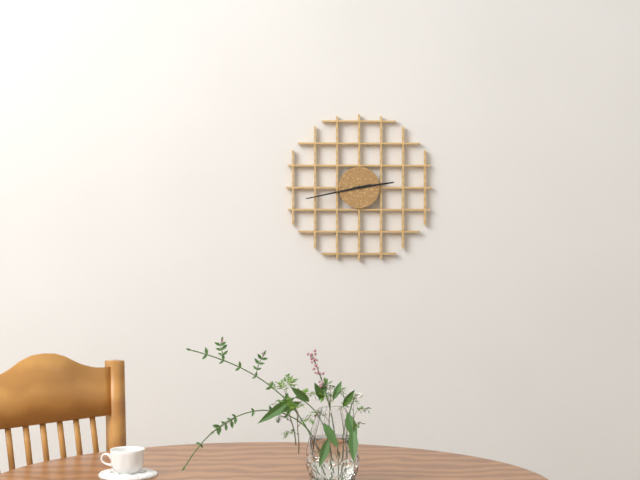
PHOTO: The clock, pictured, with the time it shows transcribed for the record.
2:43
